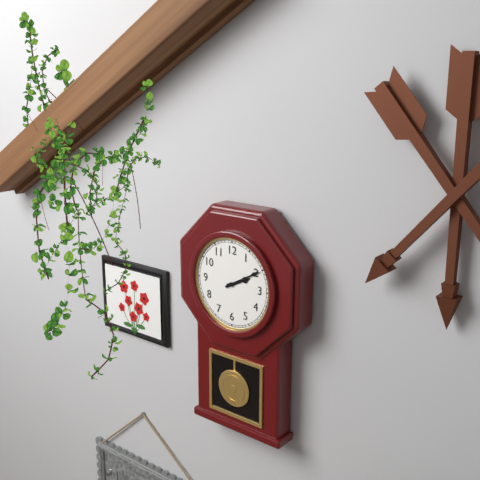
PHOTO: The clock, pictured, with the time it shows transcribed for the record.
2:10
